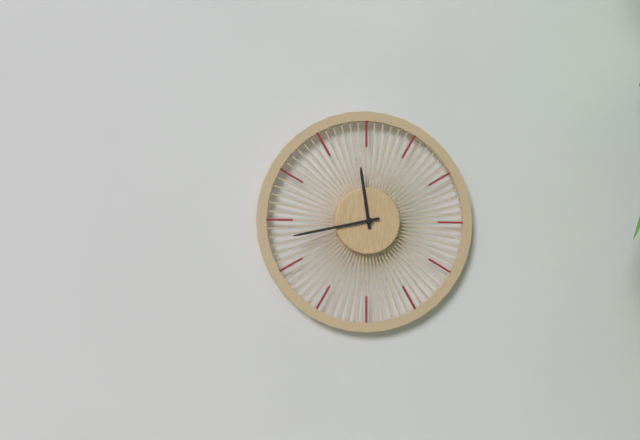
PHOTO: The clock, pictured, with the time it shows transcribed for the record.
11:43
